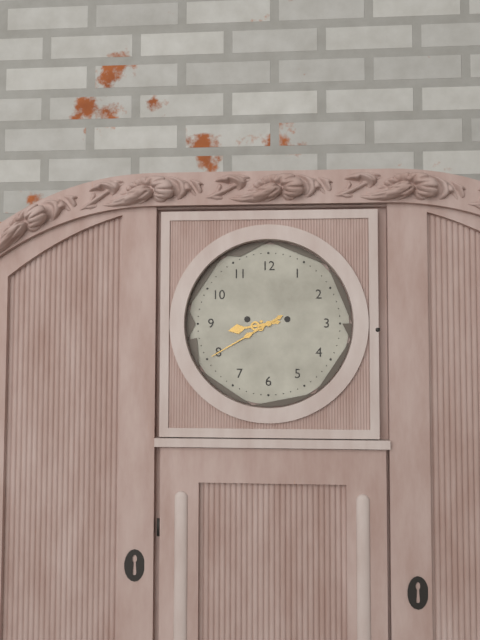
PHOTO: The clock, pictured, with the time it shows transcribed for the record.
8:40
